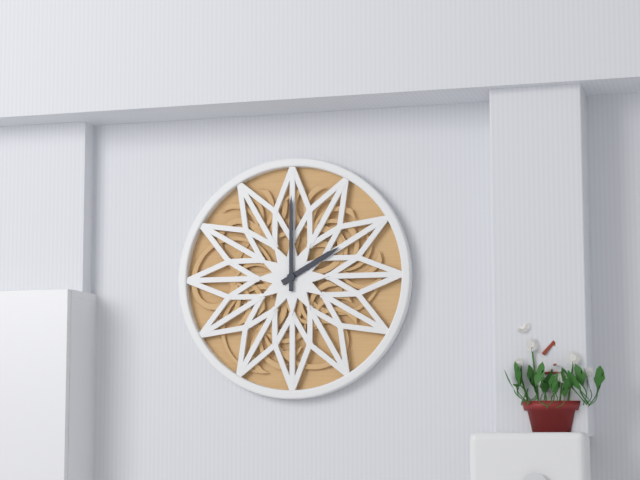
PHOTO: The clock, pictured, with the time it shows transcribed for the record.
2:00
